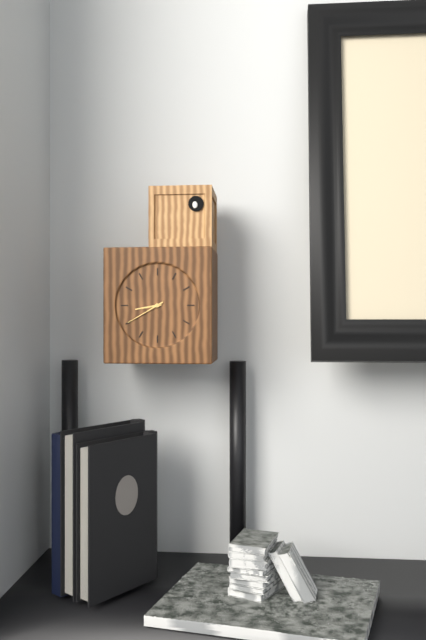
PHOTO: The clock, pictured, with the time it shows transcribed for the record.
8:40
